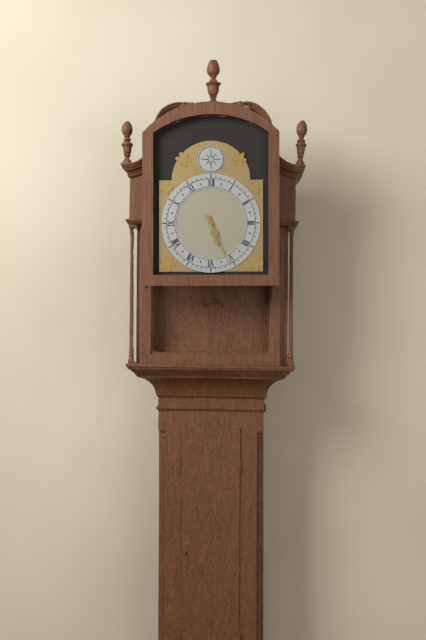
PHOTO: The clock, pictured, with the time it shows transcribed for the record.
5:26
